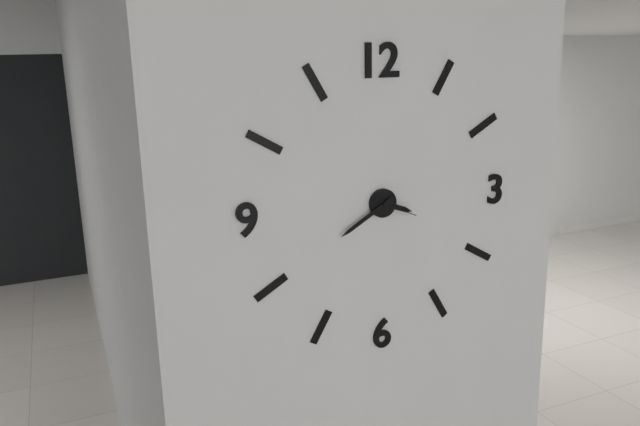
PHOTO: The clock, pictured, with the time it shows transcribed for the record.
3:40
